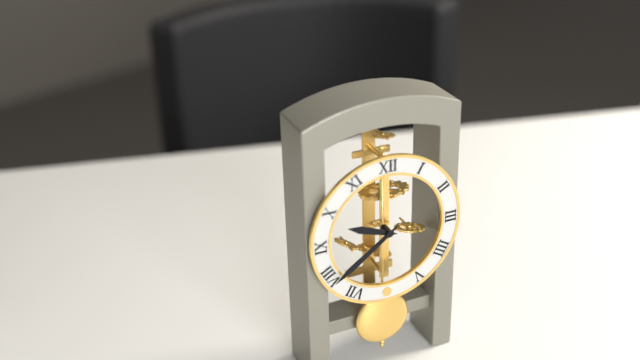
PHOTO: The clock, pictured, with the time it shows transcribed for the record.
9:39
